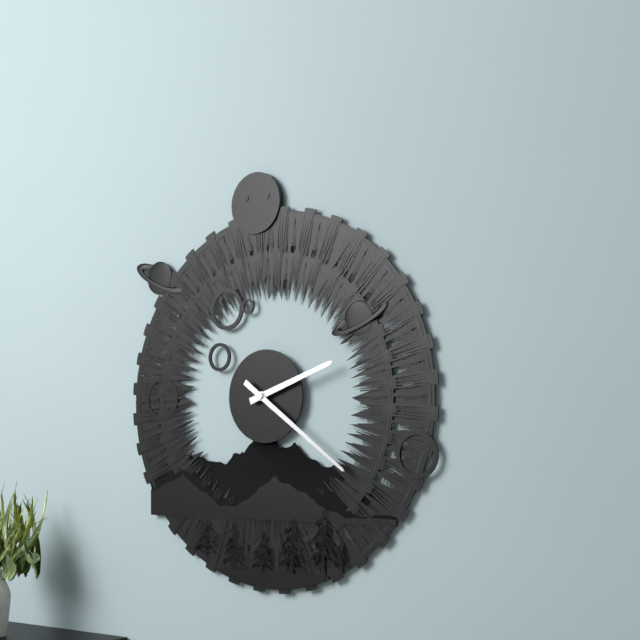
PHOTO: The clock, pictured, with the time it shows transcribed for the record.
2:21
